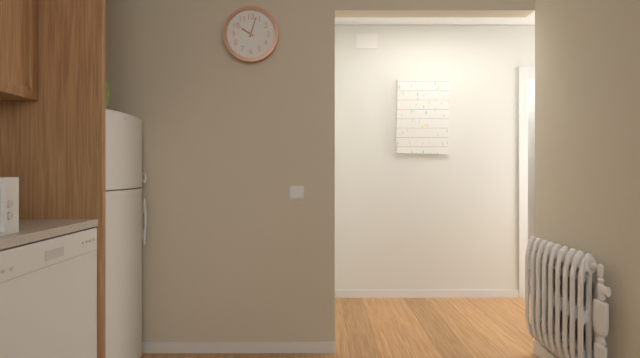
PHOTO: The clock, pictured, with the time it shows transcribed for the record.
10:03
